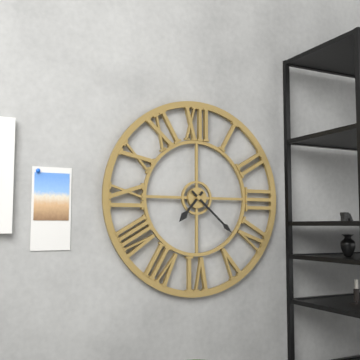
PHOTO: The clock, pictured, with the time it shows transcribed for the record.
7:22
